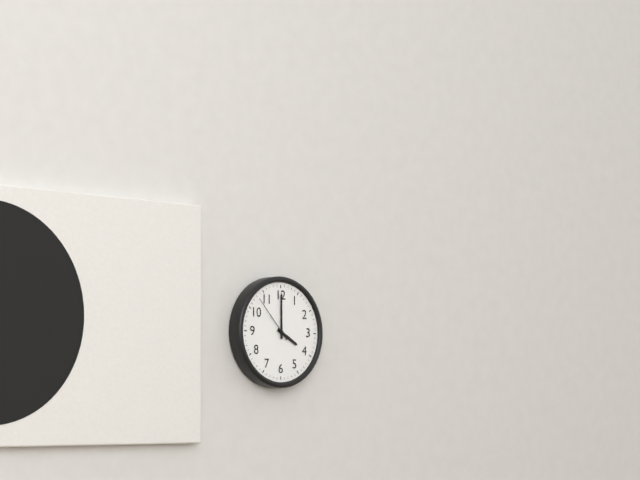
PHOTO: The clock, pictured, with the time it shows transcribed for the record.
4:00:53
